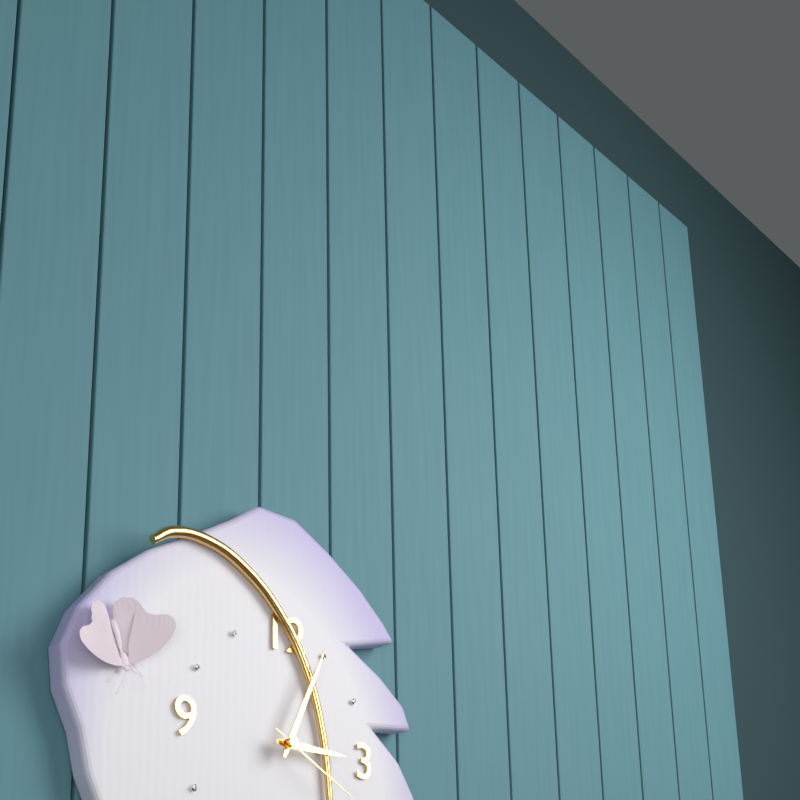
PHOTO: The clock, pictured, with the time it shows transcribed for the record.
3:04:20
